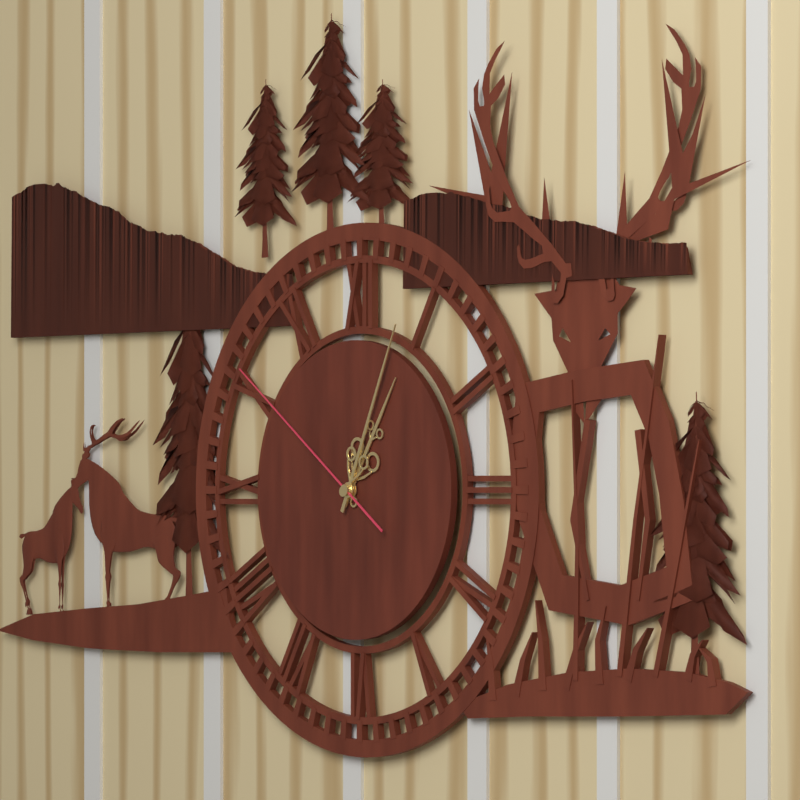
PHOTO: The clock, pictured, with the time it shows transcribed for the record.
1:04:51
